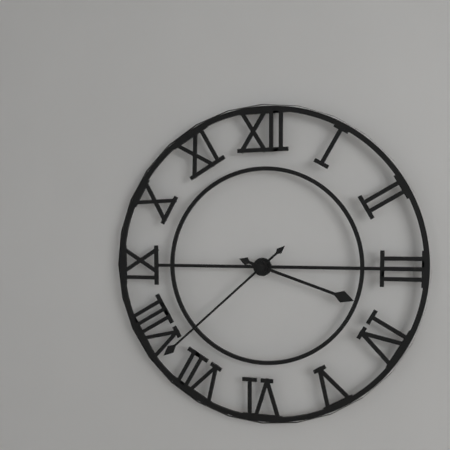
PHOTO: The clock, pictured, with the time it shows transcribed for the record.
3:38
